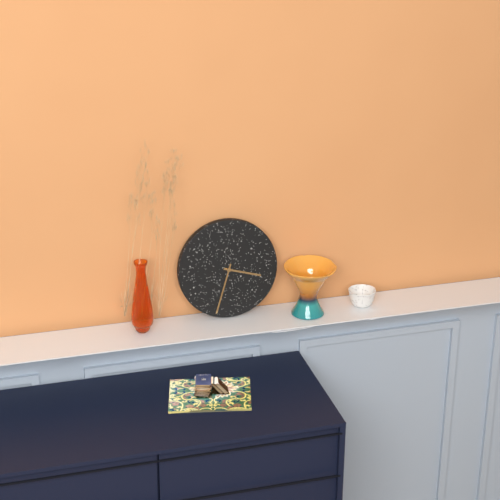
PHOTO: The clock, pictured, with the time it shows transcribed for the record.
3:33
